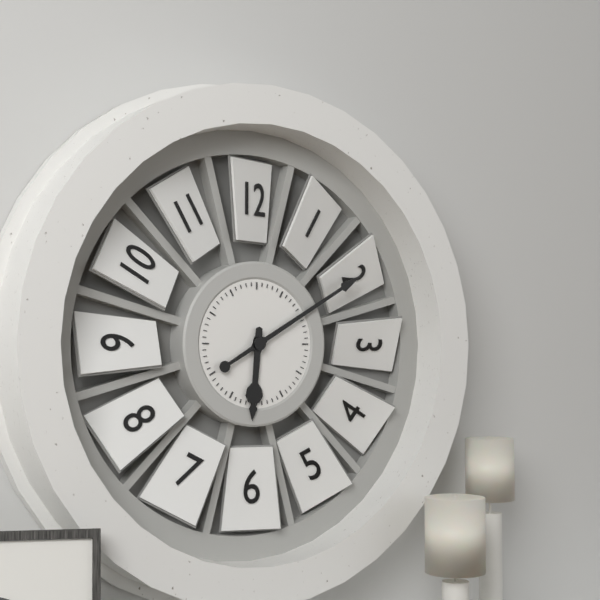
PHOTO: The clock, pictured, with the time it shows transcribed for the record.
6:10
